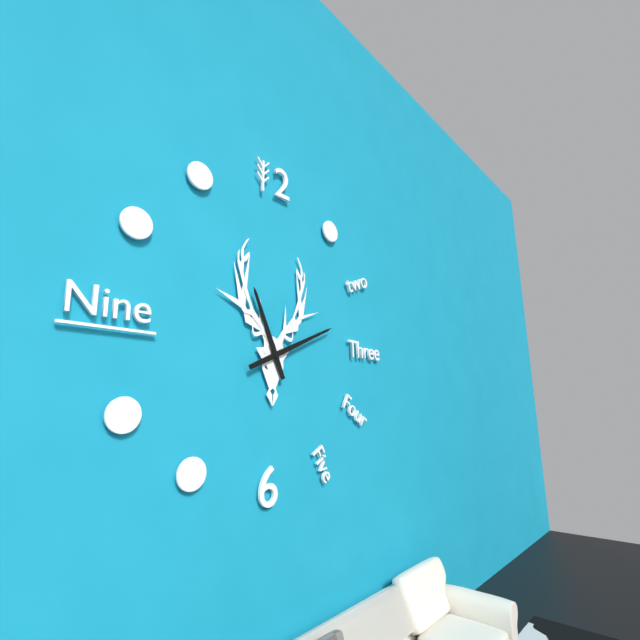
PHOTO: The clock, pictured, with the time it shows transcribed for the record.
11:11
